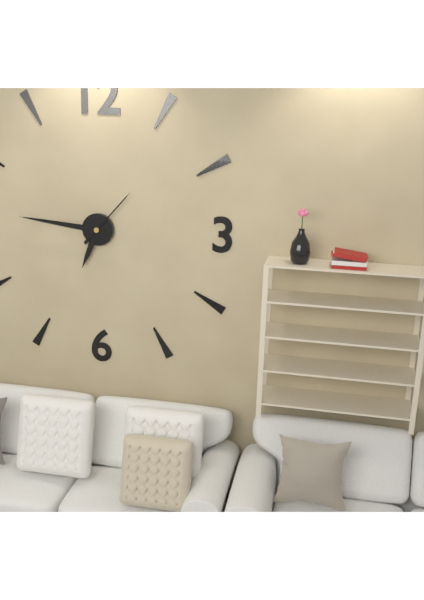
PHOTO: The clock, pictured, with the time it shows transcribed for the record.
6:46:07
